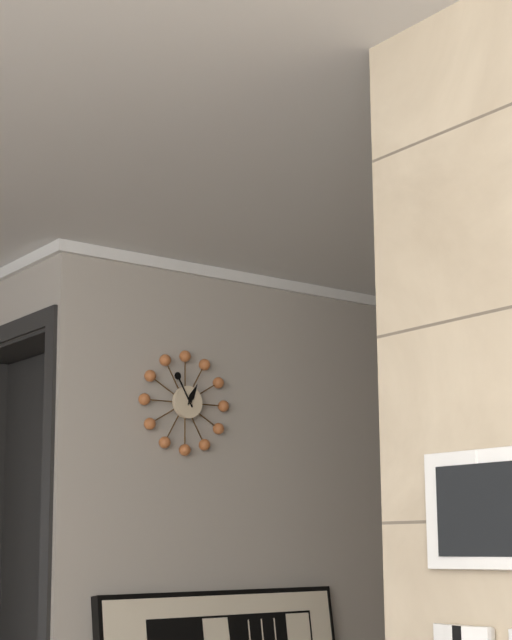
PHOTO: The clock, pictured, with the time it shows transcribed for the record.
12:55
